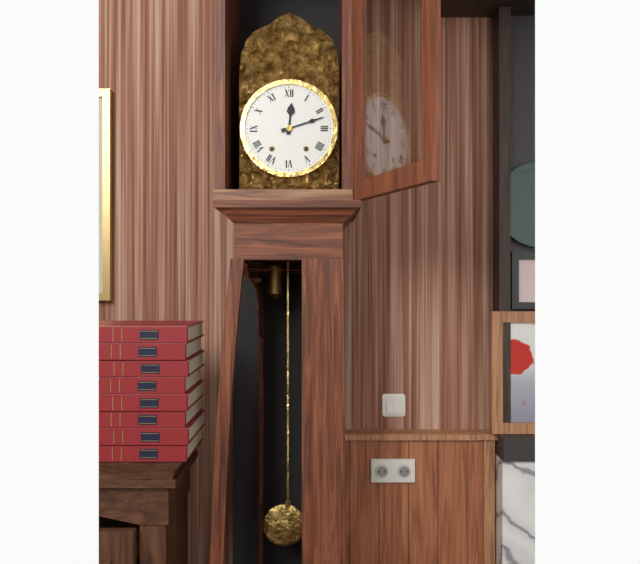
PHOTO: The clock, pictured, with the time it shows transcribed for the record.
12:12
